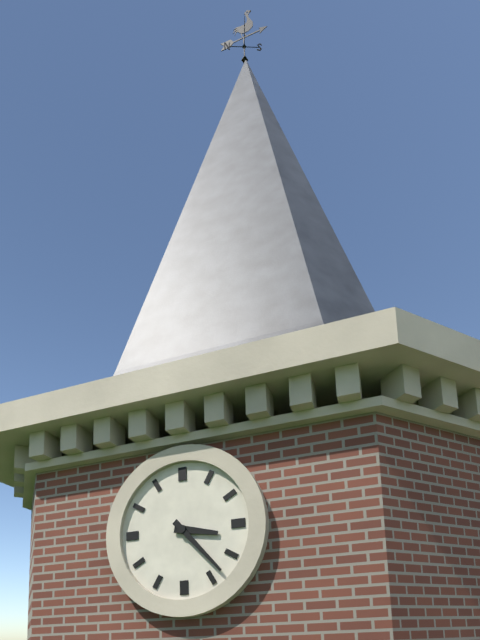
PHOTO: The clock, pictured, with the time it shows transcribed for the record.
3:23
